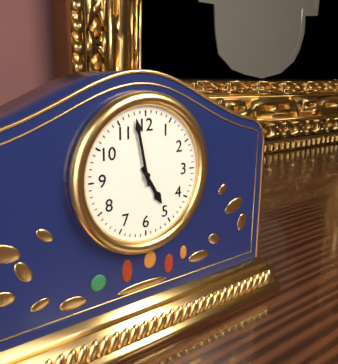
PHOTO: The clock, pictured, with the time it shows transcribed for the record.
4:58
